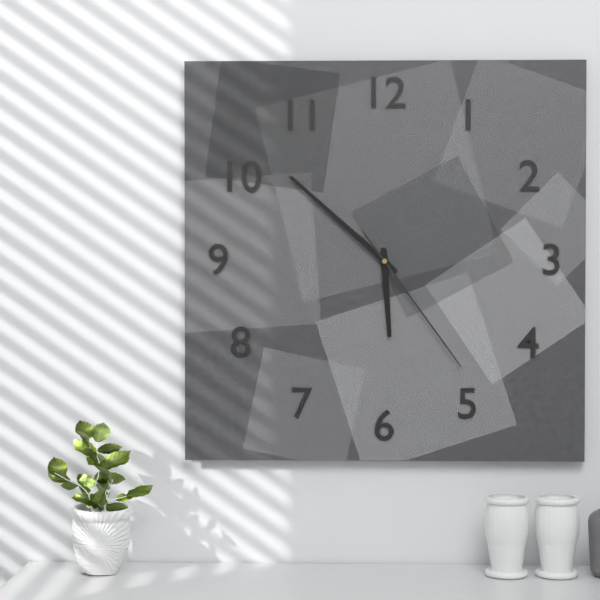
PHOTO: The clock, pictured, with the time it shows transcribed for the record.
5:52:24
